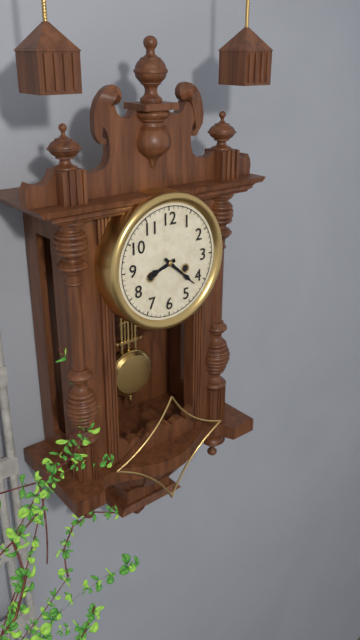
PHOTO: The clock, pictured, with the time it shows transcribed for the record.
8:22
